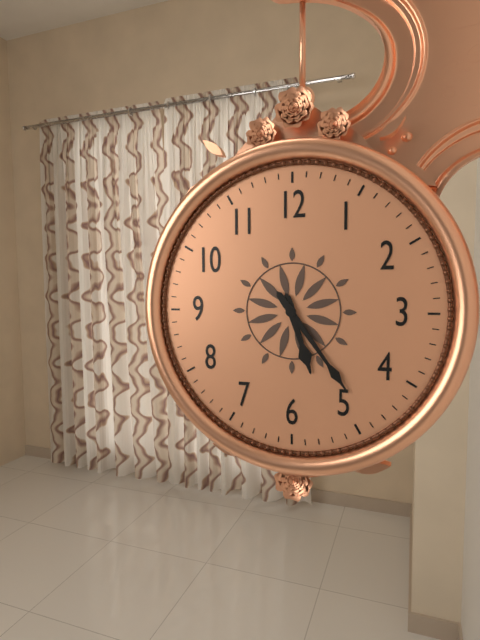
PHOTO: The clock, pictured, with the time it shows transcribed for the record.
5:24
